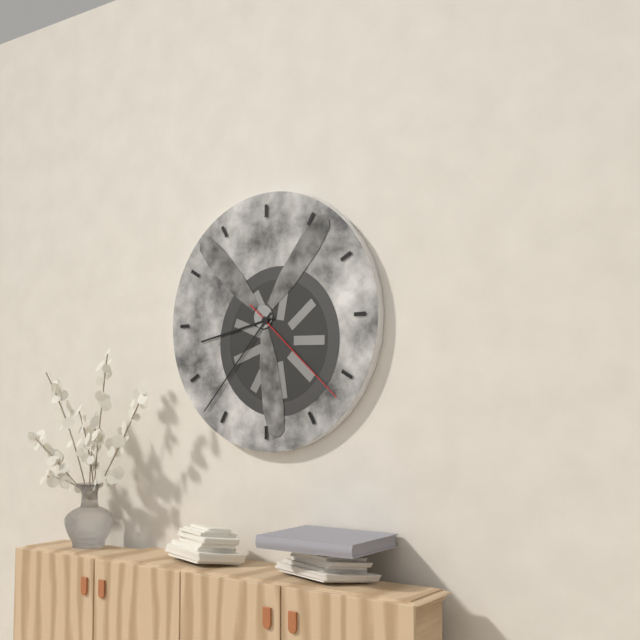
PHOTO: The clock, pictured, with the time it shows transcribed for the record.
8:37:22
